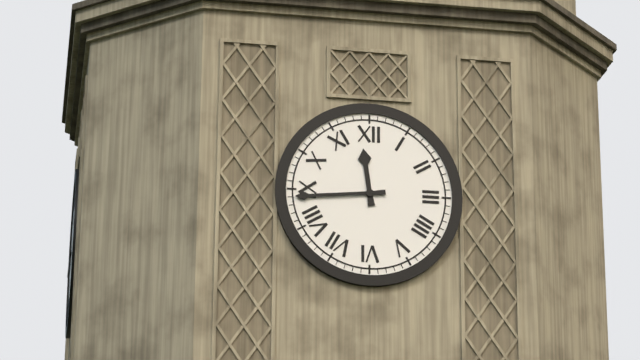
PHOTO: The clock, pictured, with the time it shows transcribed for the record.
11:44
